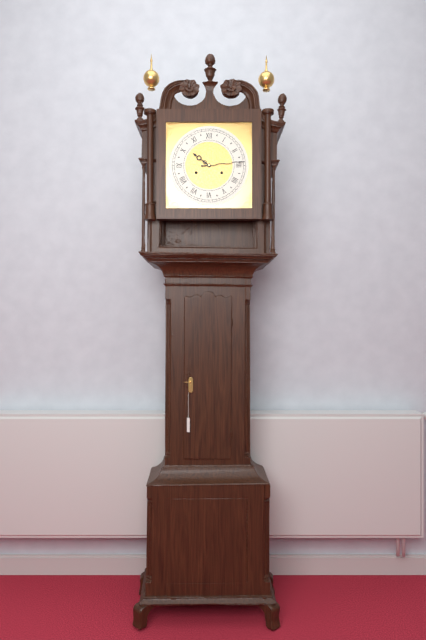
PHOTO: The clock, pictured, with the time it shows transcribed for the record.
10:14
